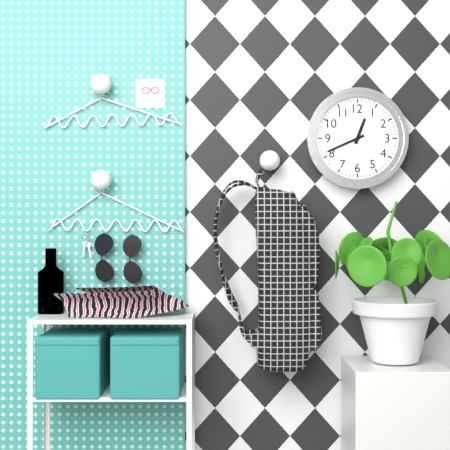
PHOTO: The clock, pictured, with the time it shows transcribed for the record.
12:41
